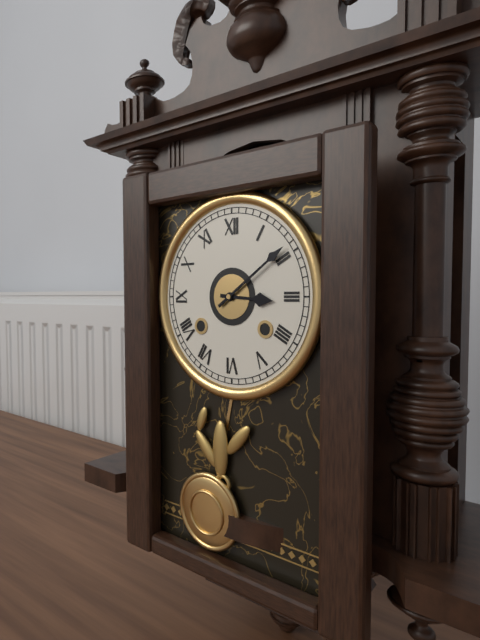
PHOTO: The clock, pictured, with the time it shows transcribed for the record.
3:09
